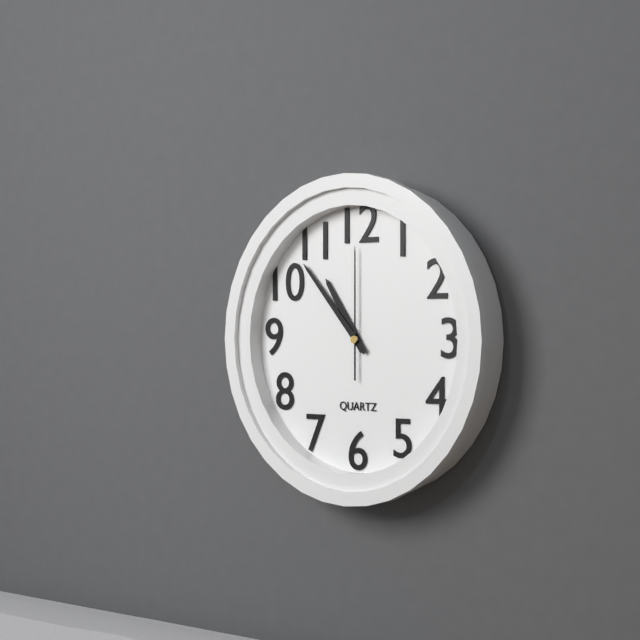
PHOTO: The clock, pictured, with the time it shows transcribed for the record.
10:53:00
